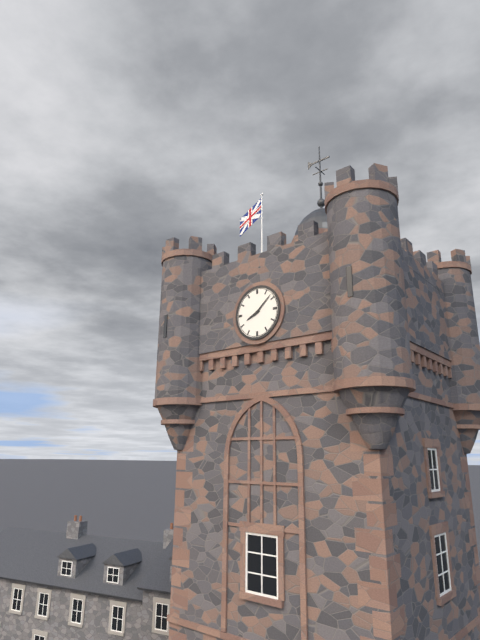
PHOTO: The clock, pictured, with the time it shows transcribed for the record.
8:08
